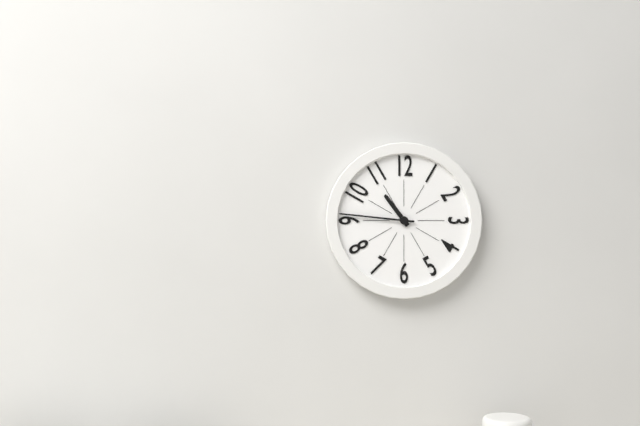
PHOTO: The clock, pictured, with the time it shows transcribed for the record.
10:46
